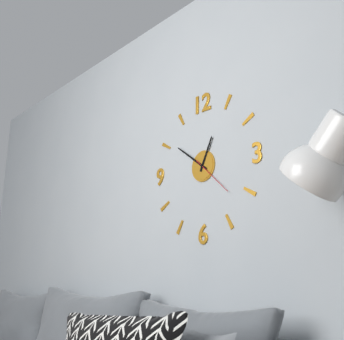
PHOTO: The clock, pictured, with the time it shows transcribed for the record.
12:51
